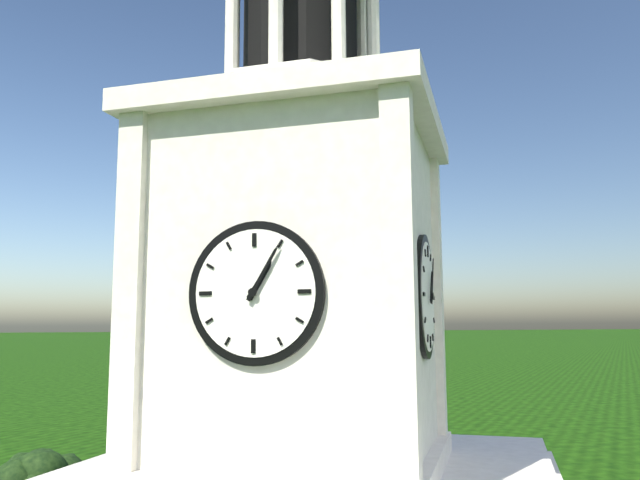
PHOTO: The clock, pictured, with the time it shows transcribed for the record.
1:05
